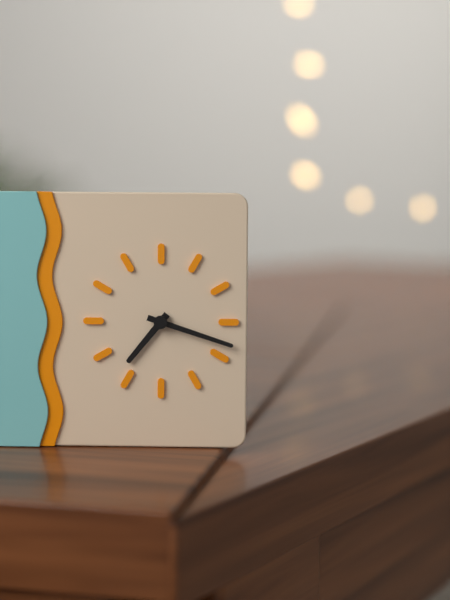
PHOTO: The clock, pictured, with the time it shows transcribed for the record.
7:18
